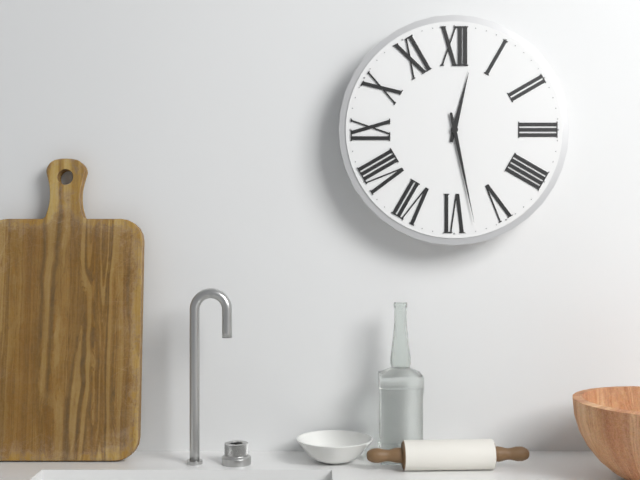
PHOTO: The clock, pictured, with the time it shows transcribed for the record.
12:28
